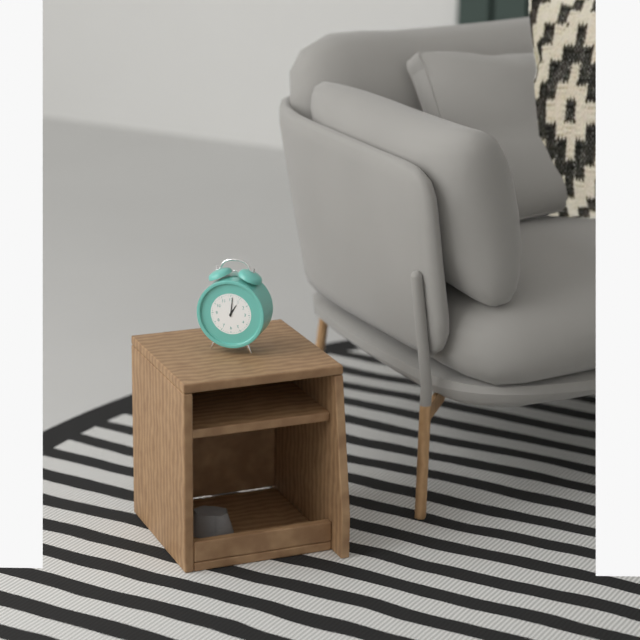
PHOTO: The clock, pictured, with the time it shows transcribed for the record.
1:01
